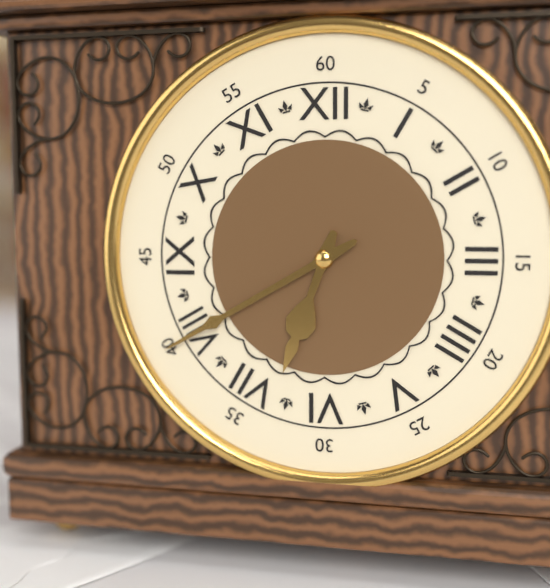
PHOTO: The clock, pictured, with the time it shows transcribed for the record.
6:40
